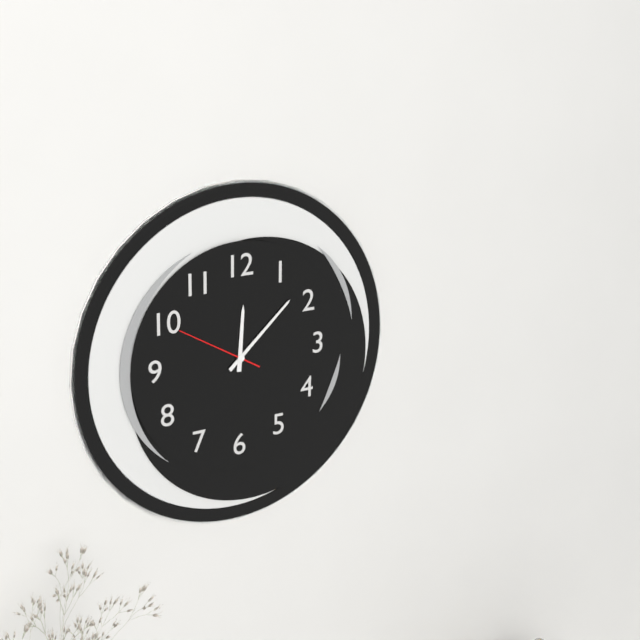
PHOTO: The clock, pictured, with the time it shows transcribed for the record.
12:08:50
